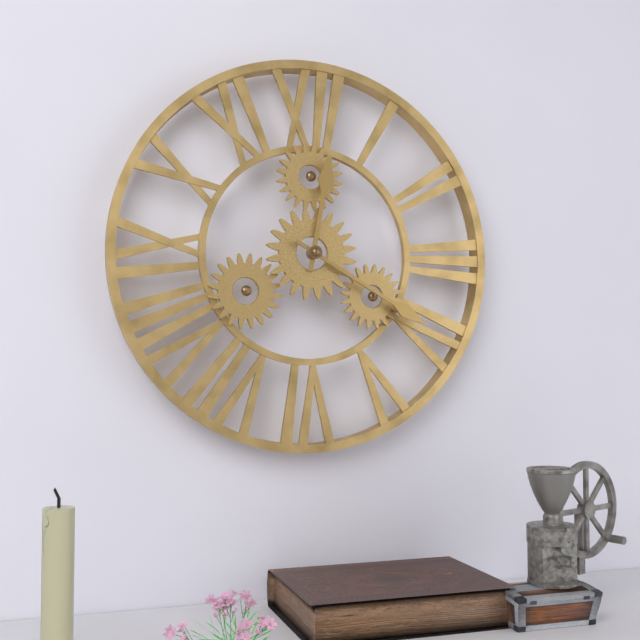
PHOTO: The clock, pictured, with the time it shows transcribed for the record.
12:20
